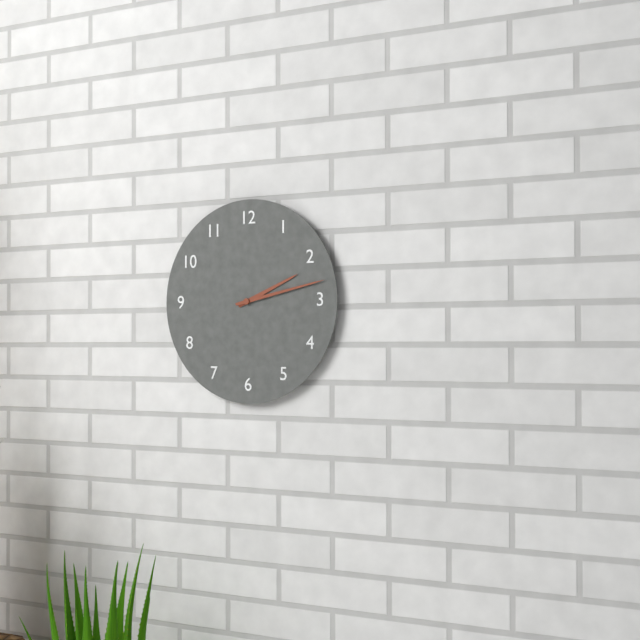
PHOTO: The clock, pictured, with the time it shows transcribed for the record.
2:13
